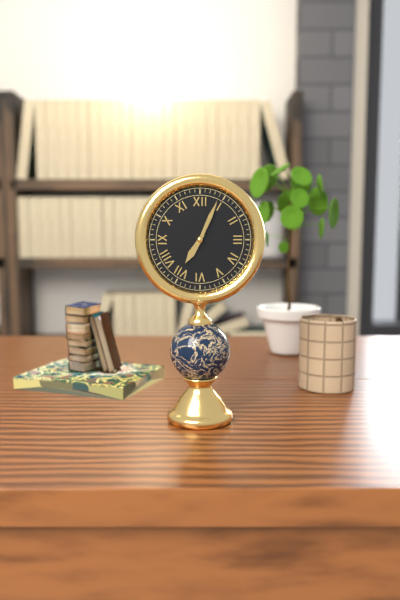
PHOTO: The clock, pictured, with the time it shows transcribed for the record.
7:04
